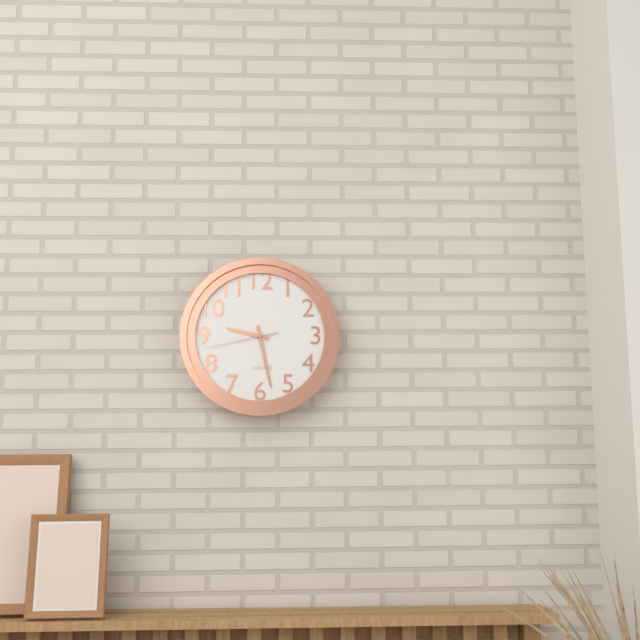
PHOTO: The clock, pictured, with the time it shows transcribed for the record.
9:28:43
